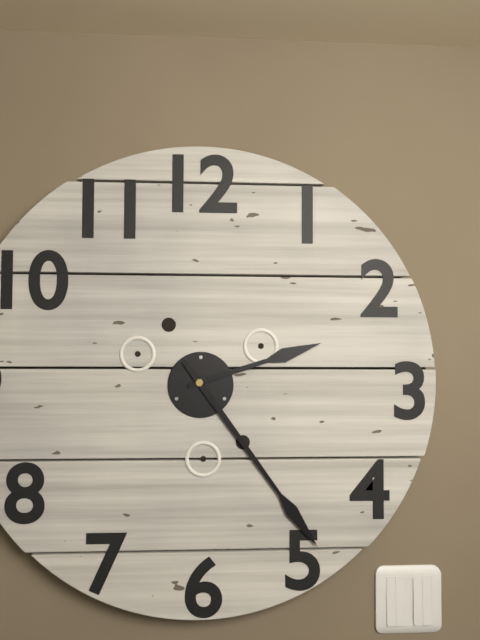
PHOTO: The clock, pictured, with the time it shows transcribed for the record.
2:24
